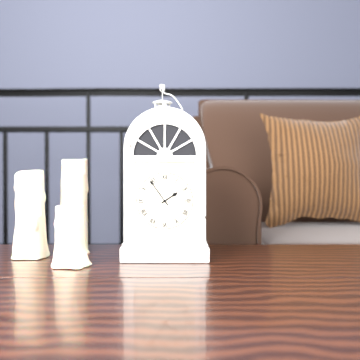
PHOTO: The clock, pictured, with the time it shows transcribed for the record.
1:54
